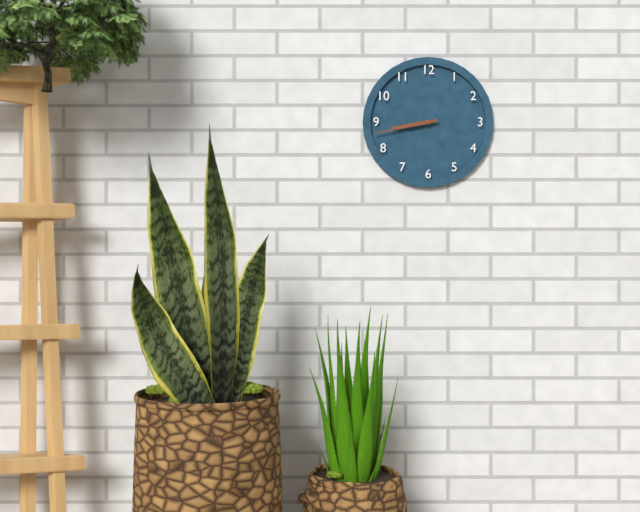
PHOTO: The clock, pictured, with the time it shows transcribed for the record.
8:43
